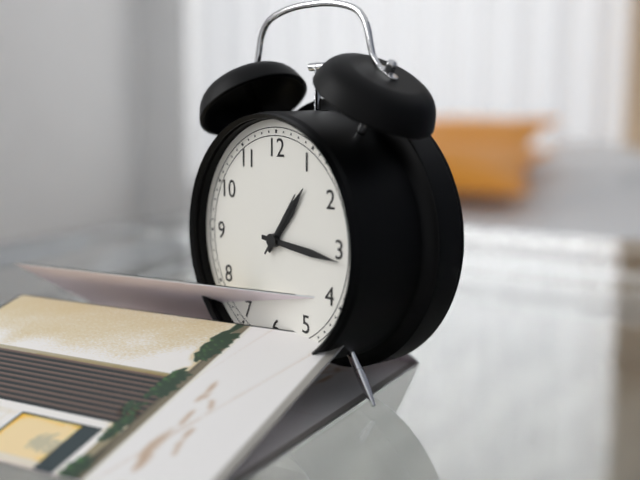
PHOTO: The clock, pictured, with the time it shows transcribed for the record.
1:16:06
